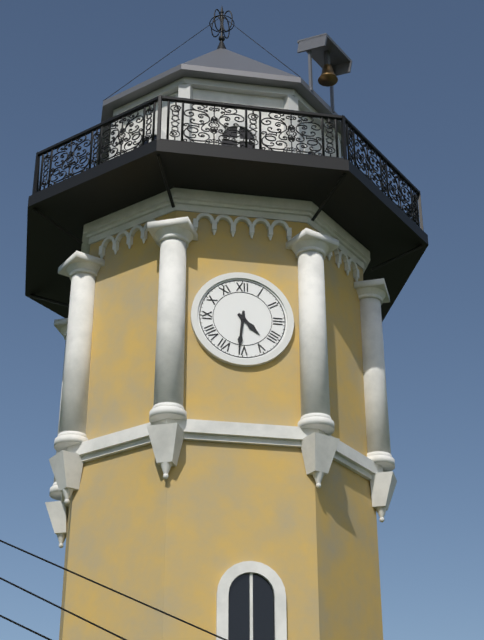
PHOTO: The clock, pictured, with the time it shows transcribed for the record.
4:31
